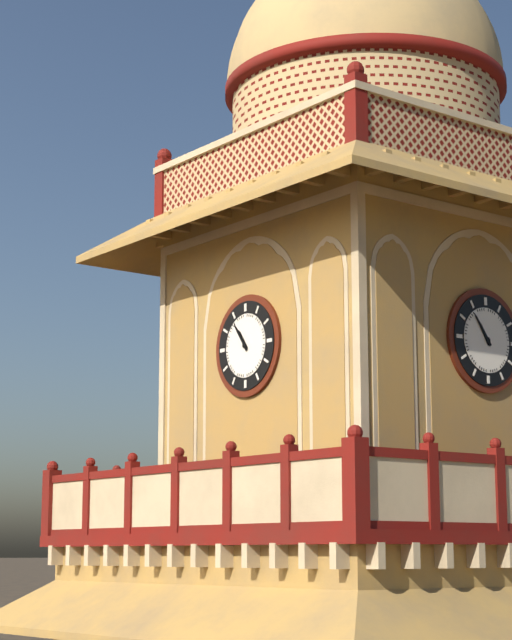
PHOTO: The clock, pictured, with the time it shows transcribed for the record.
10:54
